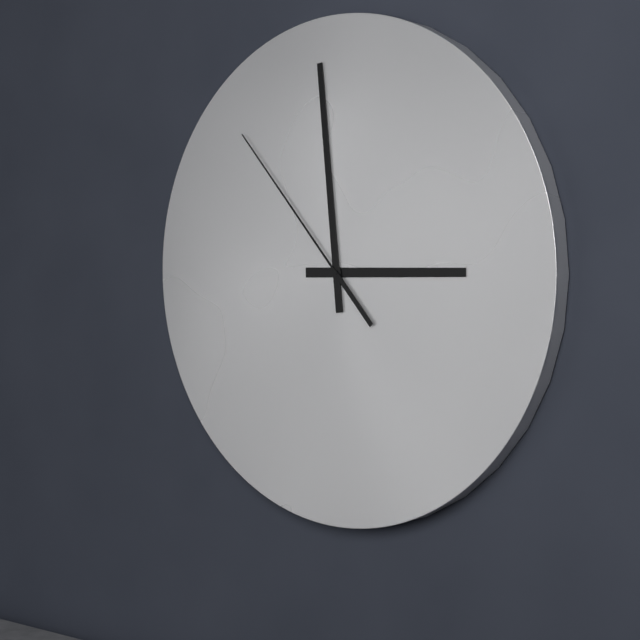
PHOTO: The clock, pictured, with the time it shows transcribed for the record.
2:59:53
